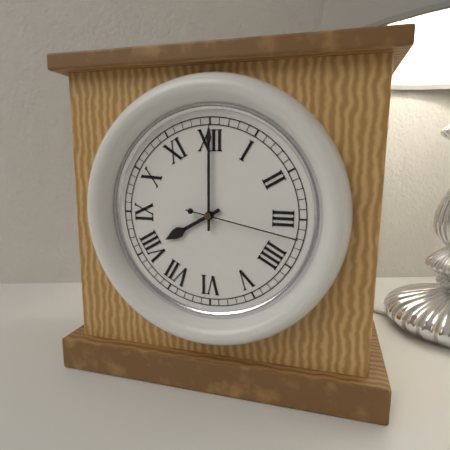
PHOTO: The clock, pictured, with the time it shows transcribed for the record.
8:00:17
